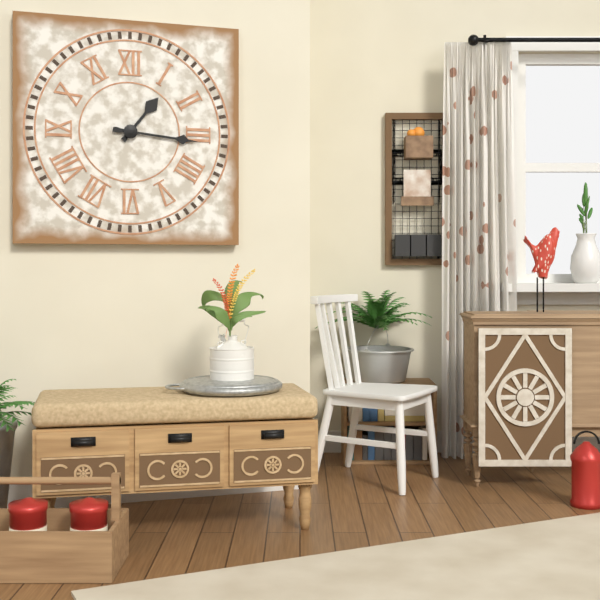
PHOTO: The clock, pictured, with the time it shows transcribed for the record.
1:16
